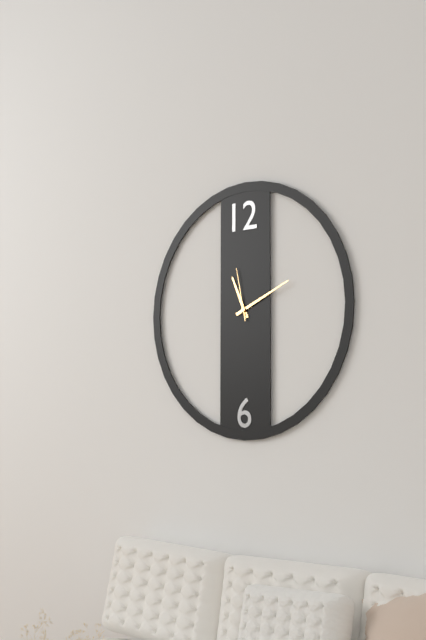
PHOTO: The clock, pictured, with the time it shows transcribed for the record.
11:11:58
